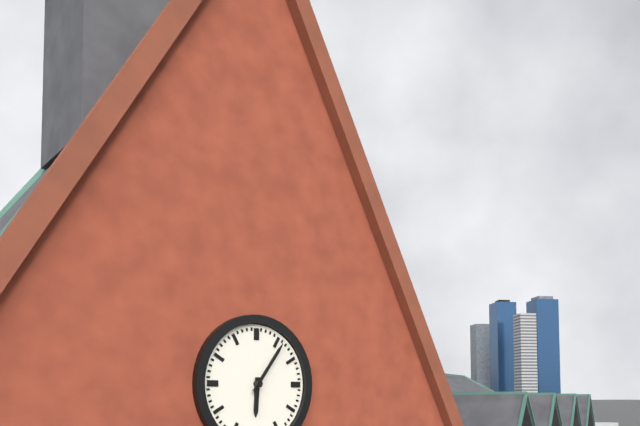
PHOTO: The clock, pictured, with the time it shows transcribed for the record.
6:06
